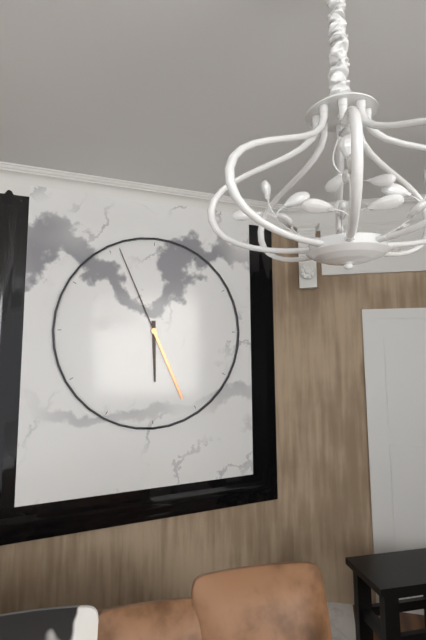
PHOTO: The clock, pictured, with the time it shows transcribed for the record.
5:56
